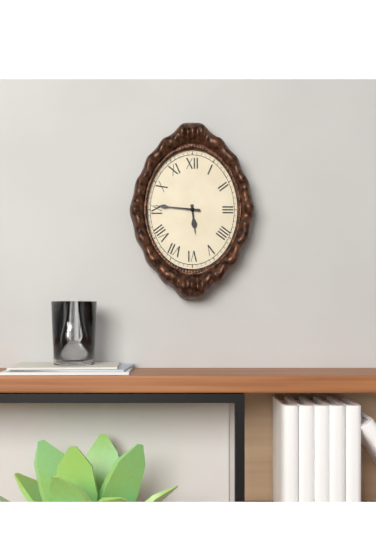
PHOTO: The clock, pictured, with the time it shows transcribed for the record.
5:46
